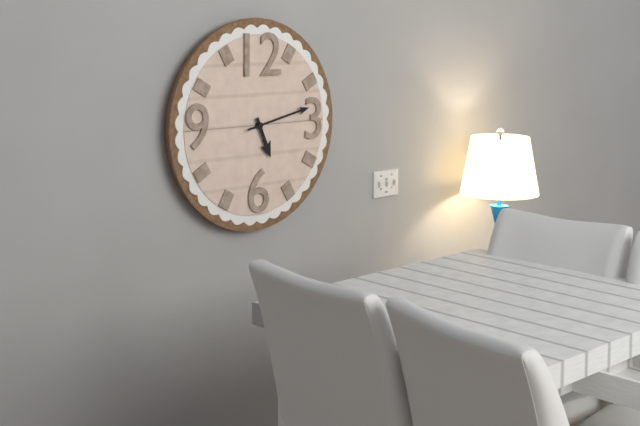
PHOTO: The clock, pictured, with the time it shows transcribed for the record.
5:13
